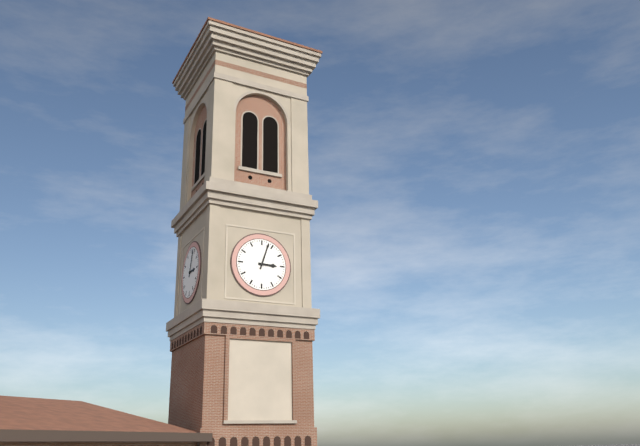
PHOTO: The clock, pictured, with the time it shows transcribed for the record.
3:03
